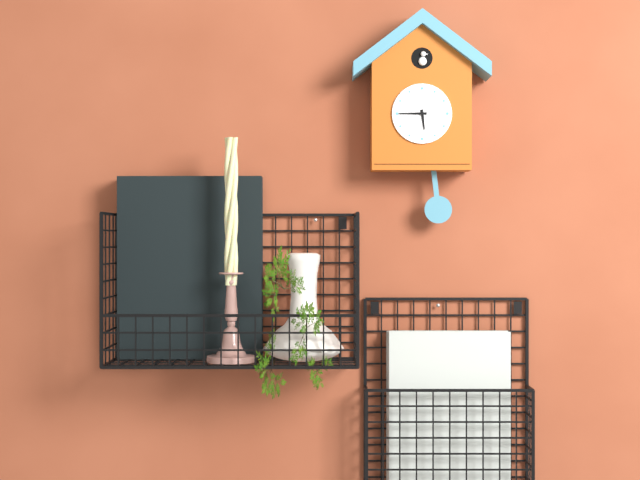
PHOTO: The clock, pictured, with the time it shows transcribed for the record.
5:45
